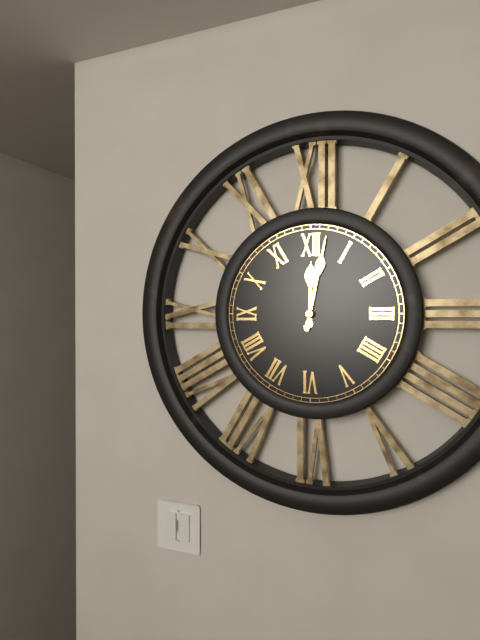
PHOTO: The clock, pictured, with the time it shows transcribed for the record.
12:02
